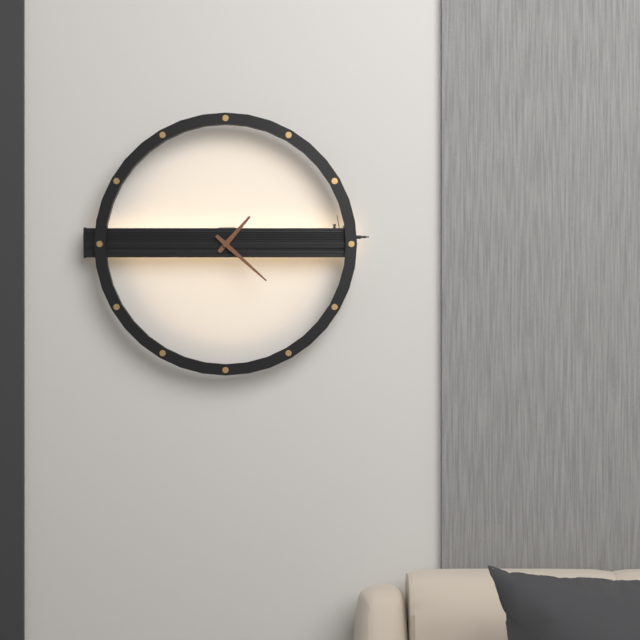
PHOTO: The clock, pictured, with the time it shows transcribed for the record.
1:22
